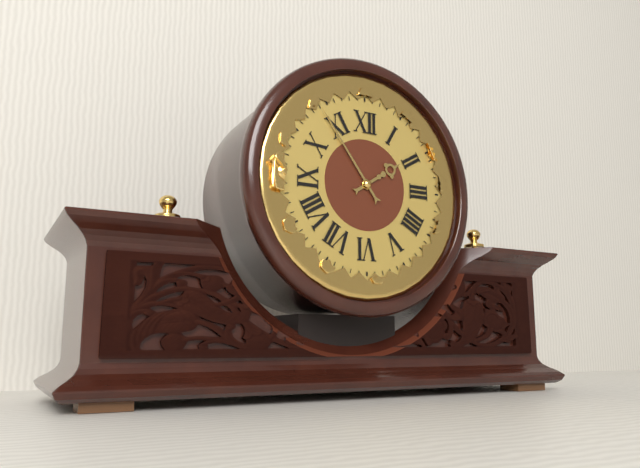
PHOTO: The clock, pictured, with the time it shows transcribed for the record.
1:54
